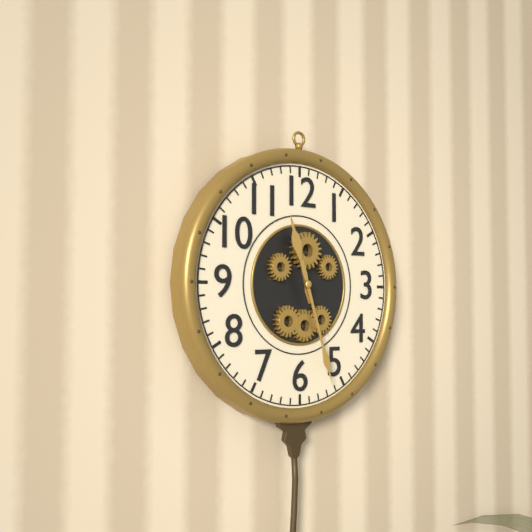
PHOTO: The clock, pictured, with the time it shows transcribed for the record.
11:27
